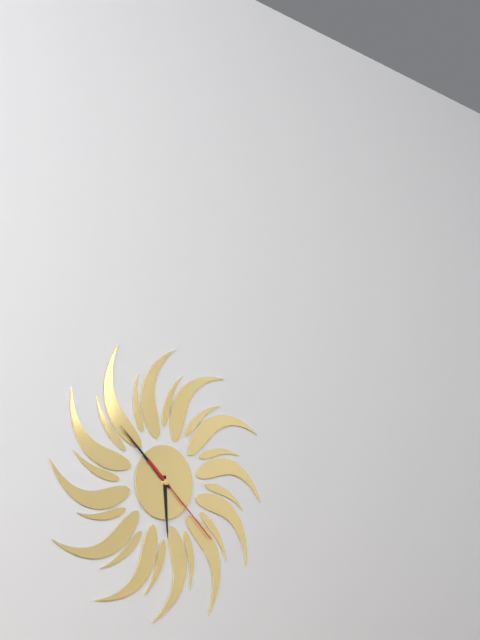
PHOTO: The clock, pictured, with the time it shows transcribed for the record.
5:52:22
